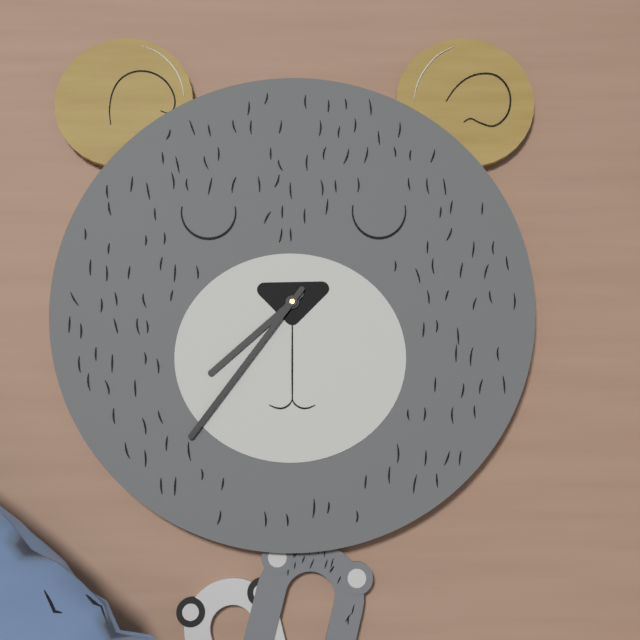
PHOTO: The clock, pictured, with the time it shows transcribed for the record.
7:36
